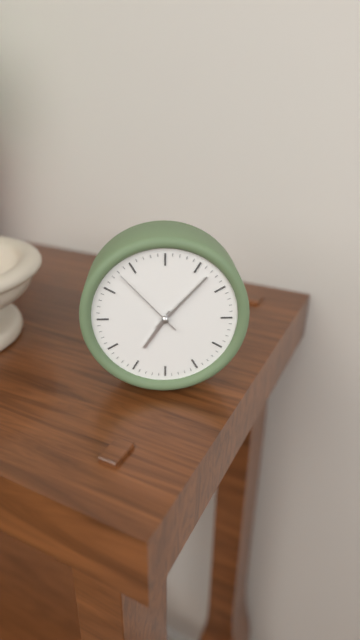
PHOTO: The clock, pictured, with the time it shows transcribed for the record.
7:07:53
